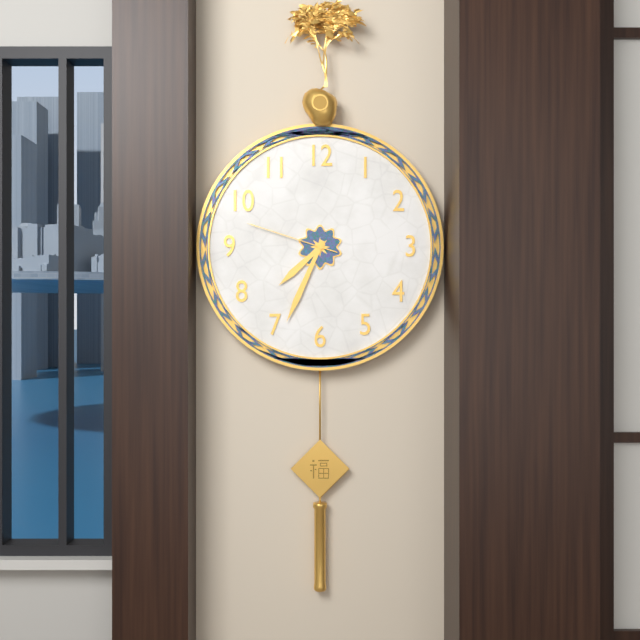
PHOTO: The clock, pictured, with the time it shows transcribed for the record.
7:34:48
